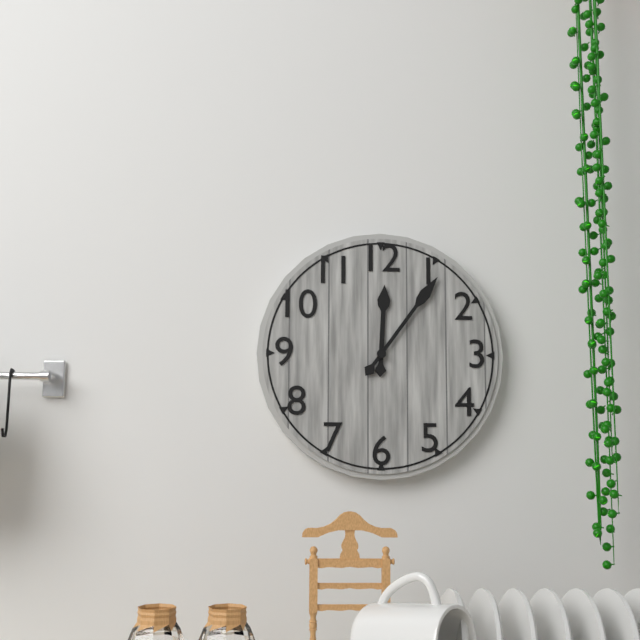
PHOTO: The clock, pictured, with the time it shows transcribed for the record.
12:06
